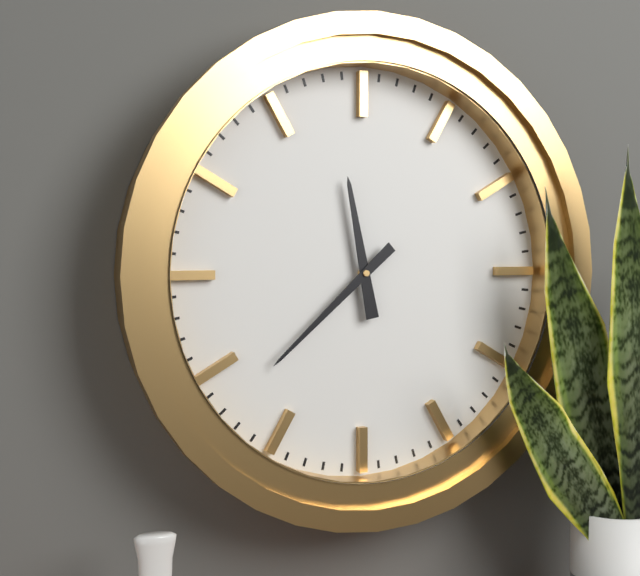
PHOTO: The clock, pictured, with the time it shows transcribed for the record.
11:38
